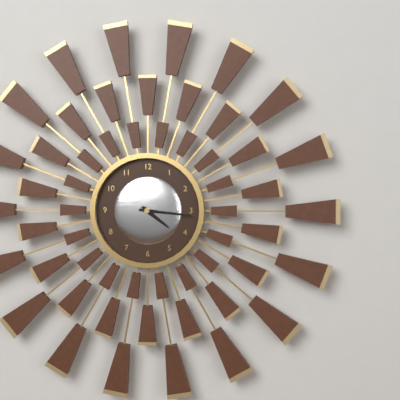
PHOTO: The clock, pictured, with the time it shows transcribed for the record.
4:16
